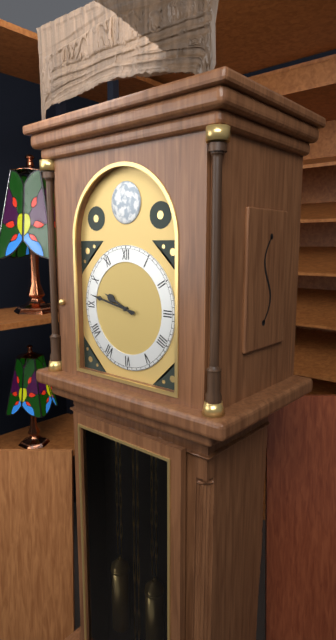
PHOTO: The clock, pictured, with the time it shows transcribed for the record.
9:47
